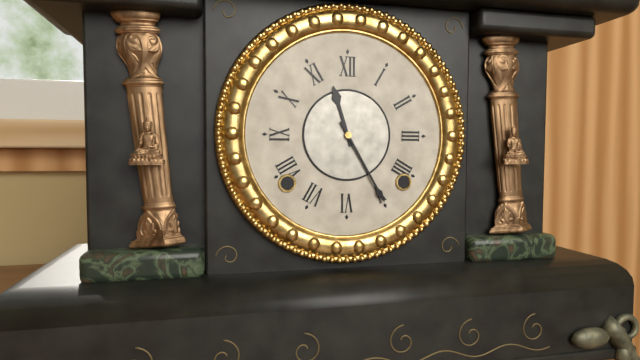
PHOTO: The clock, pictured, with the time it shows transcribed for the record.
11:25
